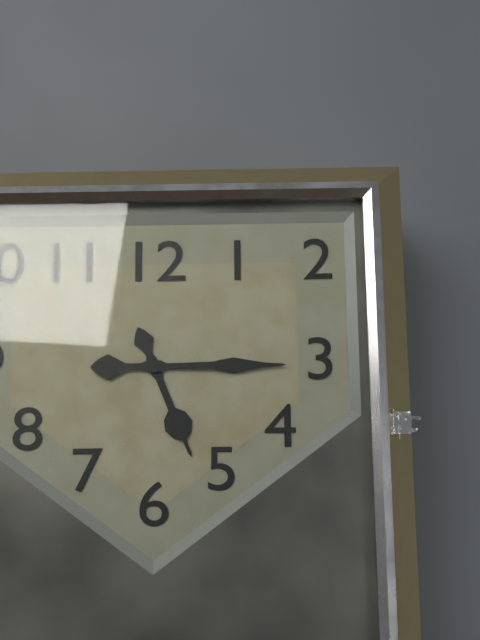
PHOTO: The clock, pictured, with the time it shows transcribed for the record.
5:15
